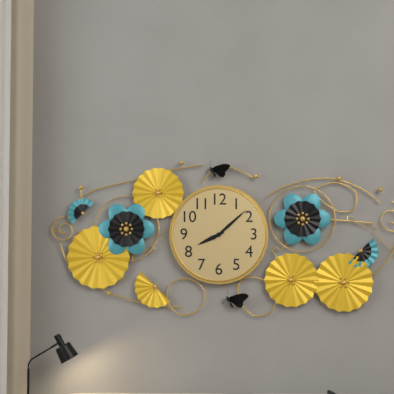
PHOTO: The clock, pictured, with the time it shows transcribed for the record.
8:08
